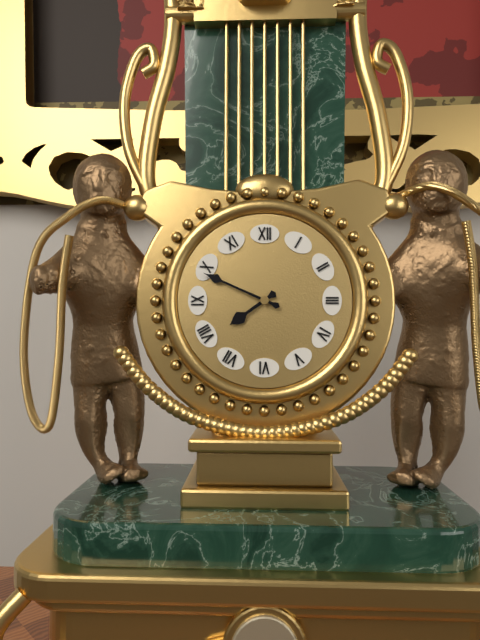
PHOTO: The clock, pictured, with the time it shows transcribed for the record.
7:49
